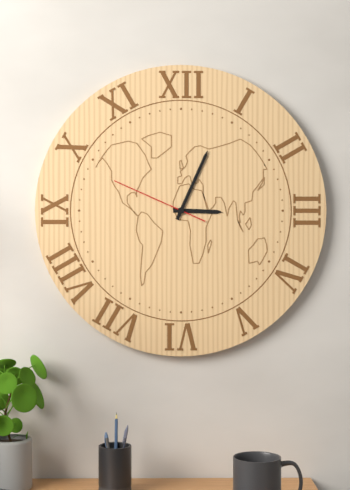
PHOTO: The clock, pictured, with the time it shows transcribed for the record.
3:04:49
